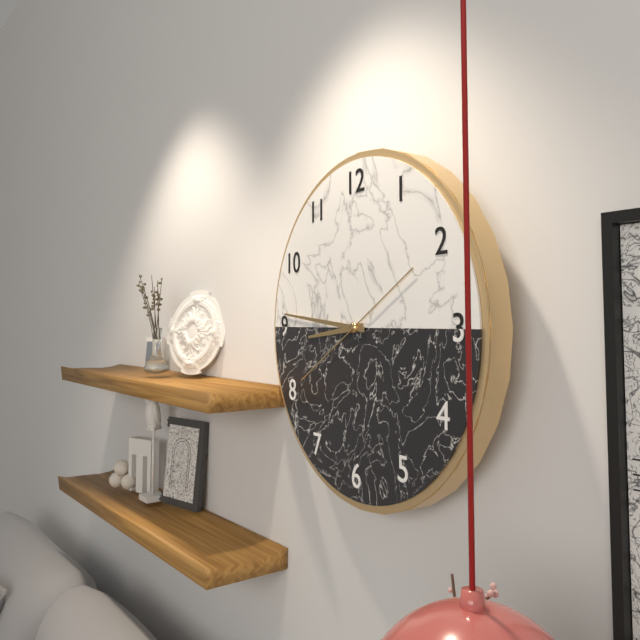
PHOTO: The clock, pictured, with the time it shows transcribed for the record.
8:46:40
